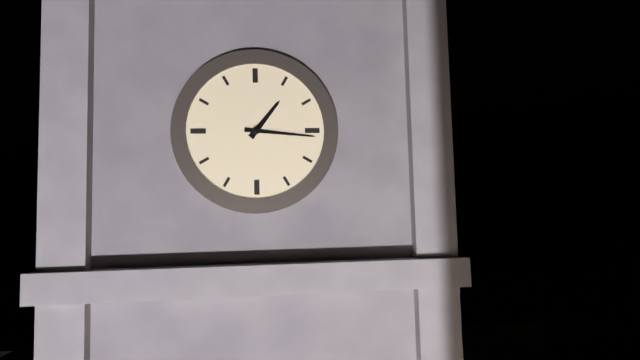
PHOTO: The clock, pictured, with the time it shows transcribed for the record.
1:16
